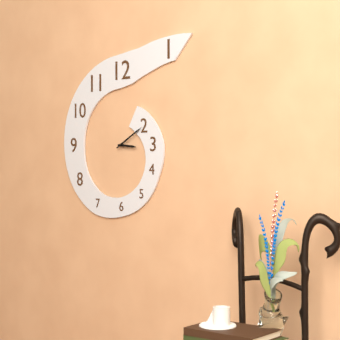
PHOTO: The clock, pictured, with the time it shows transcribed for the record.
3:10
